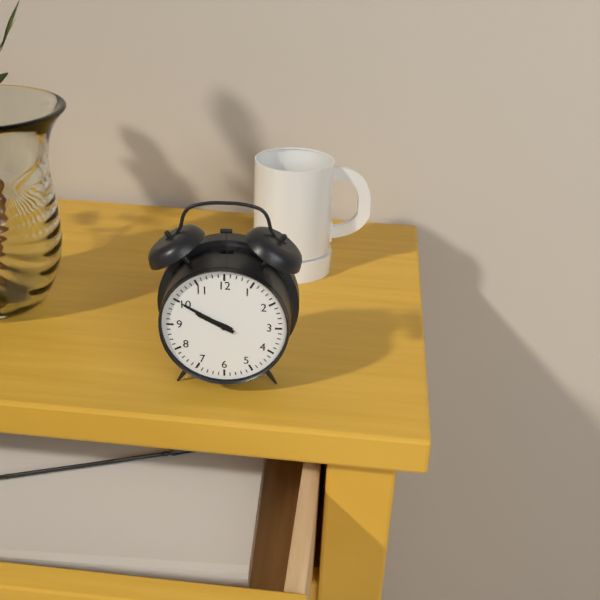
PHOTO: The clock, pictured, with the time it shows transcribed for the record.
9:50
